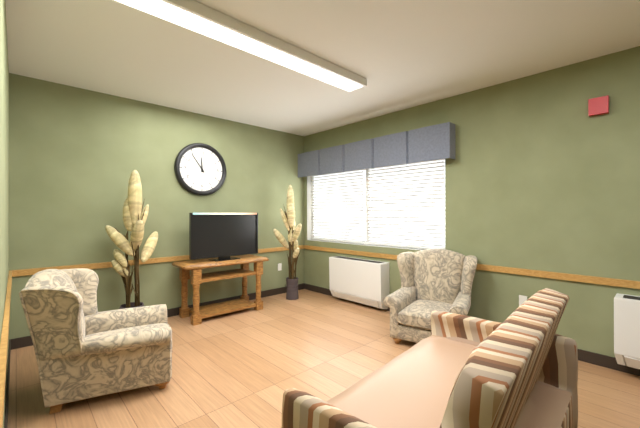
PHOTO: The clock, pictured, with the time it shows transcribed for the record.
11:54
